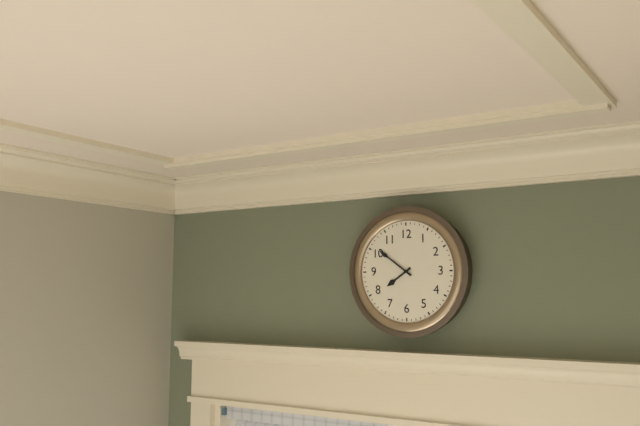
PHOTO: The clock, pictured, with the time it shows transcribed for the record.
7:51
